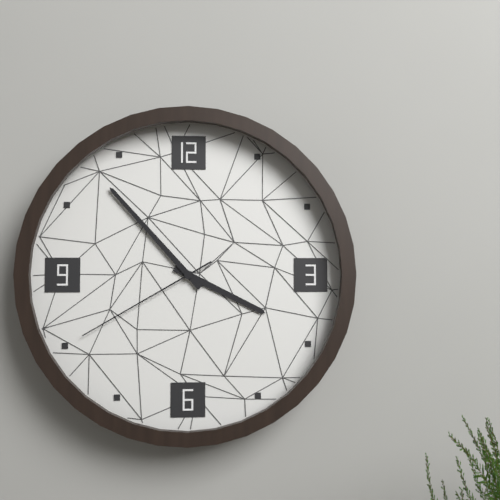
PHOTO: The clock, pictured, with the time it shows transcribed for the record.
3:53:40
